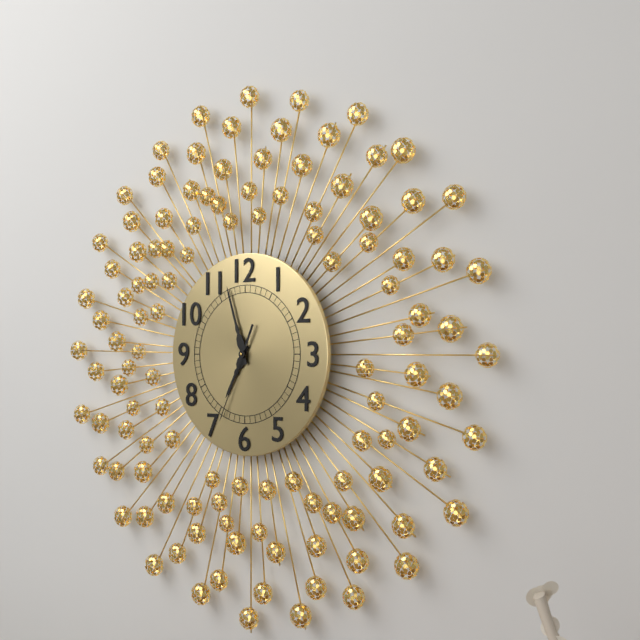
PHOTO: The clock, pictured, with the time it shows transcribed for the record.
6:57:34
